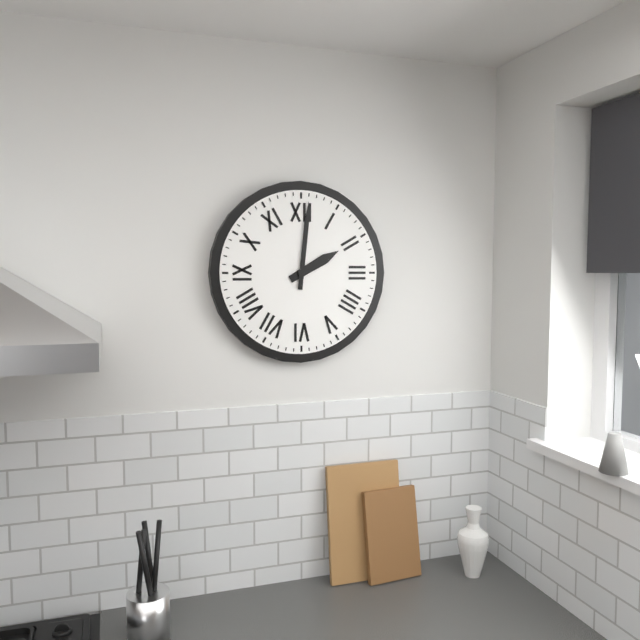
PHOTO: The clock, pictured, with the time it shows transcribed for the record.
2:01
